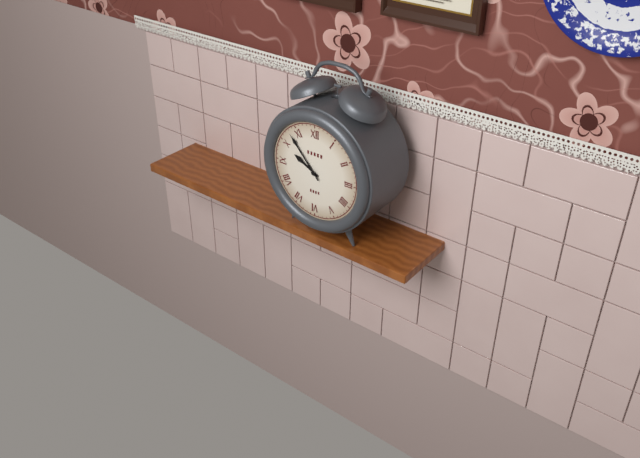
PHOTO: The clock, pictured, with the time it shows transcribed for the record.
9:53
